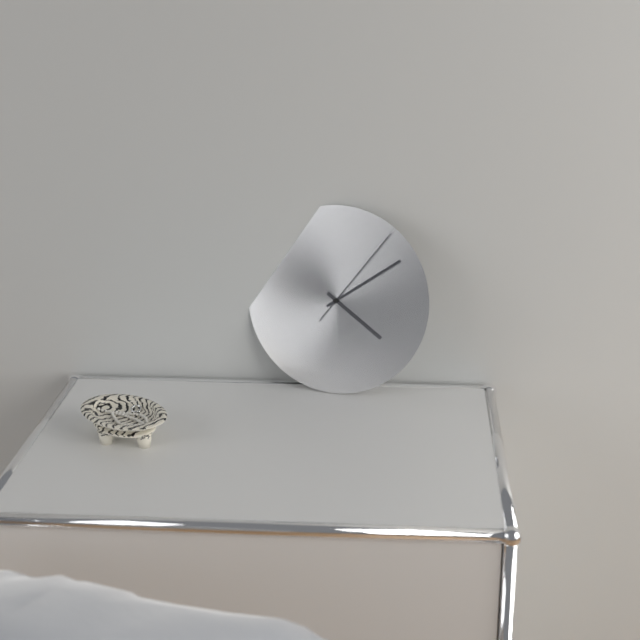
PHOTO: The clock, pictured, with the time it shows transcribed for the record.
4:09:06
